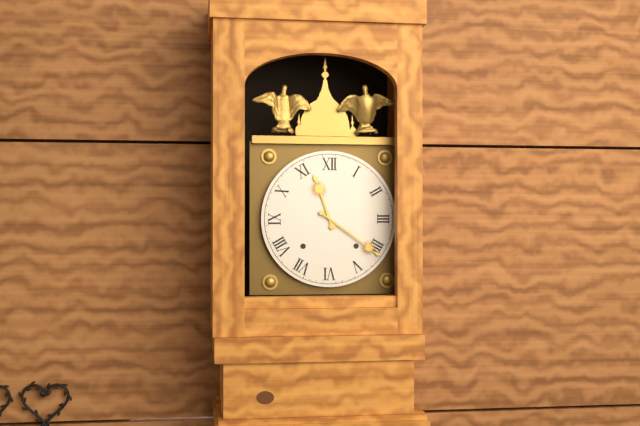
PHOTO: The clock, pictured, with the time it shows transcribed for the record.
11:21
